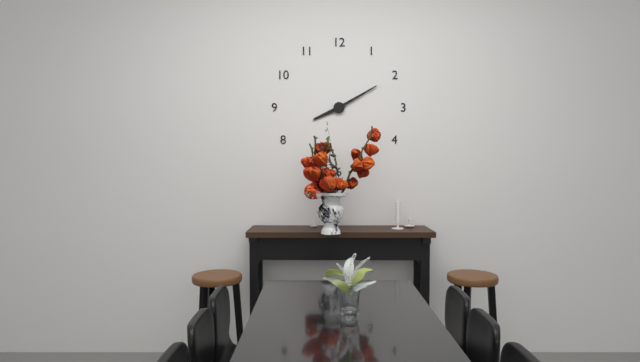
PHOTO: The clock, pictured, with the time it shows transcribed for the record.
8:10
